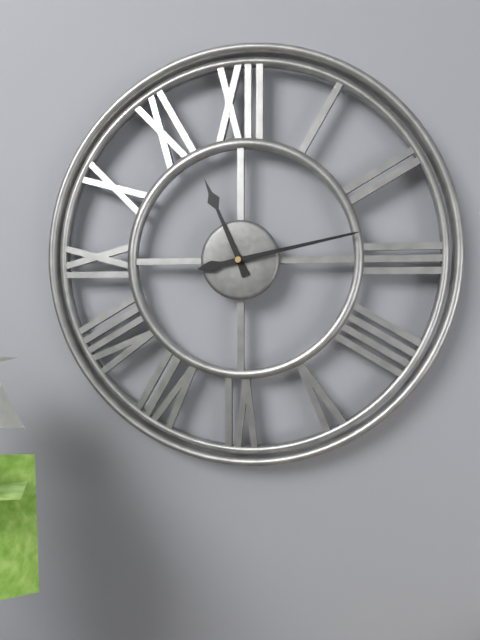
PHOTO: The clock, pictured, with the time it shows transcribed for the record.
11:13
